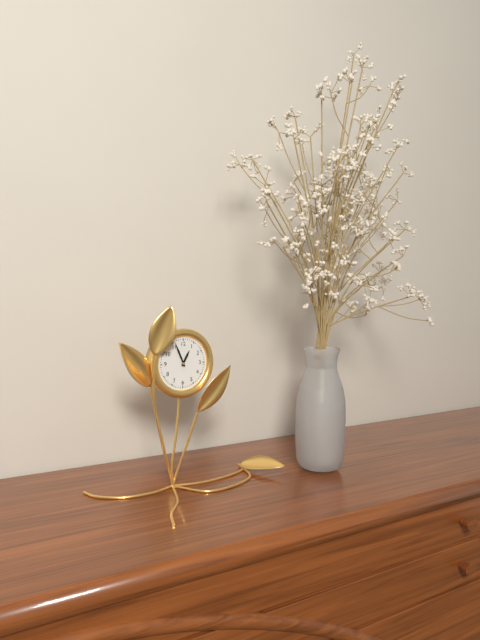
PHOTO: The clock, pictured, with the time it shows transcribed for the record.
12:56
